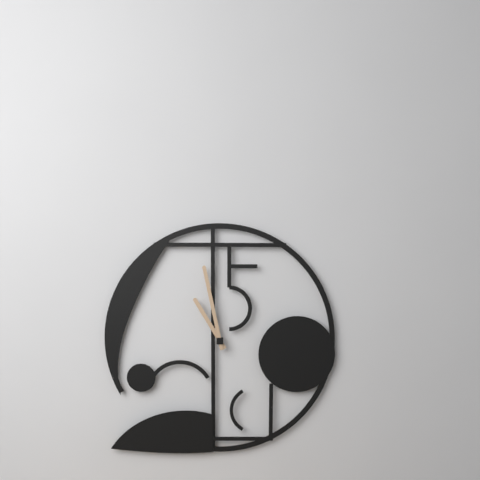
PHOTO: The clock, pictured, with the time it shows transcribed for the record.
10:58
